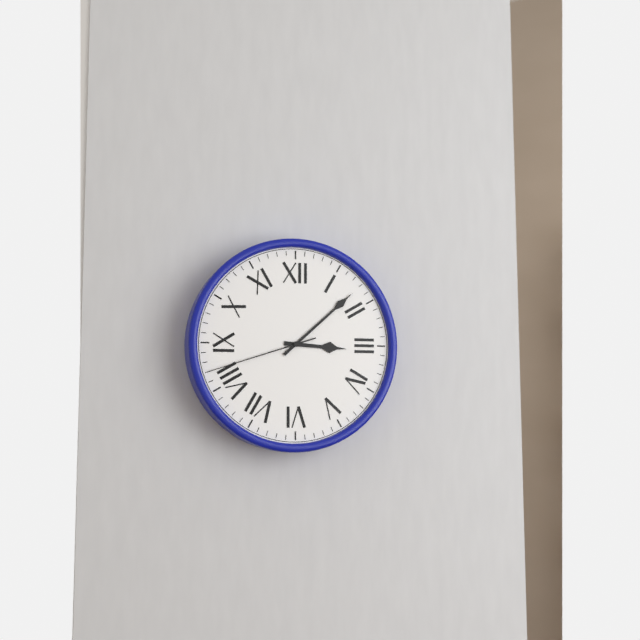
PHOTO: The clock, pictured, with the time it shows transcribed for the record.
3:08:42
